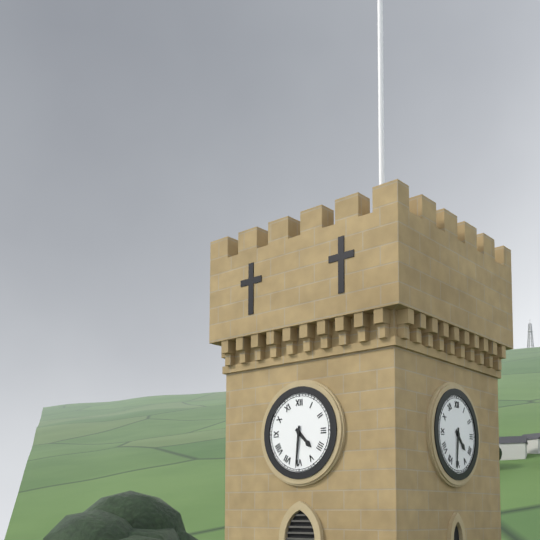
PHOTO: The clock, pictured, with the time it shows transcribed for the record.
4:31
